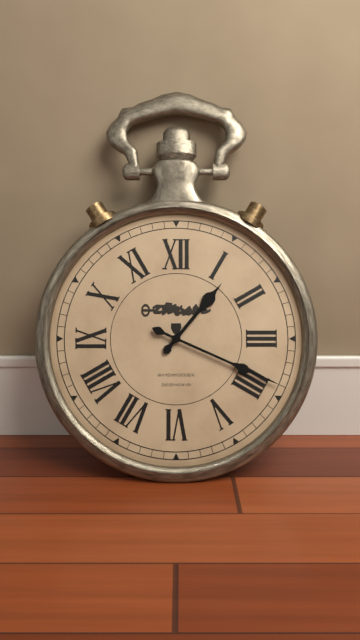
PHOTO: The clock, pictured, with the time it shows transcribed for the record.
1:19
